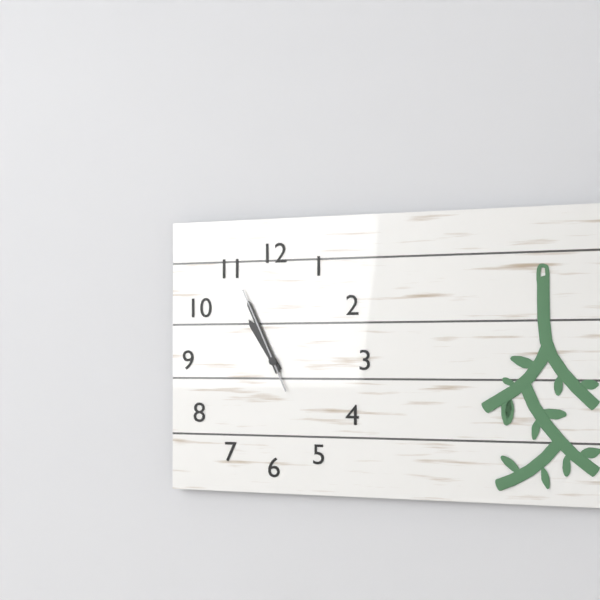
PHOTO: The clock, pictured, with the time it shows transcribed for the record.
10:56:56
